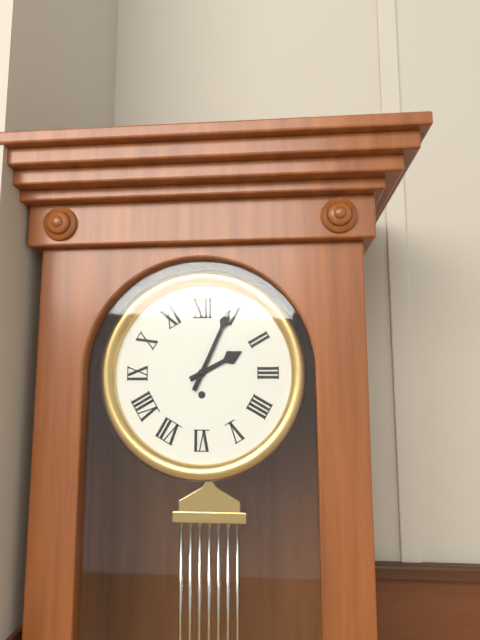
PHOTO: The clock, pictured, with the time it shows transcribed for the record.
2:04
